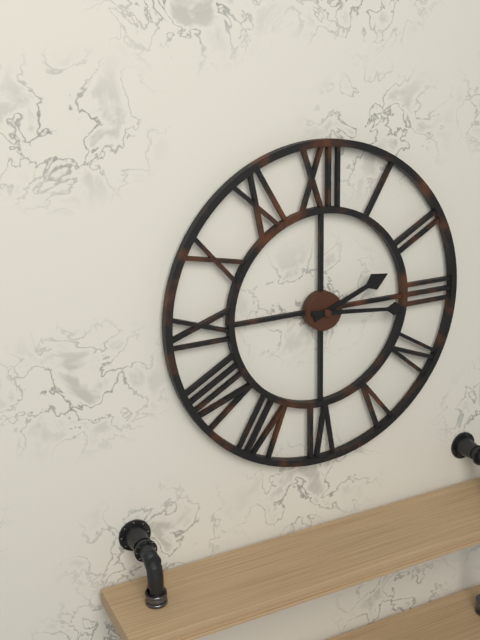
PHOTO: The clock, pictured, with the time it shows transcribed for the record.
2:16
